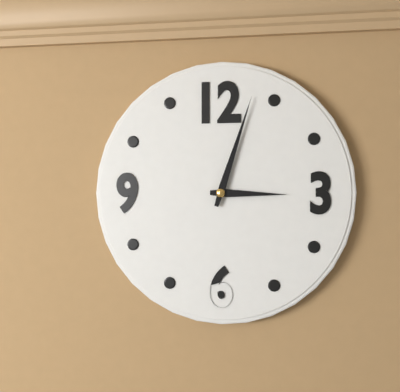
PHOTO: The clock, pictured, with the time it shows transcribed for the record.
3:03
